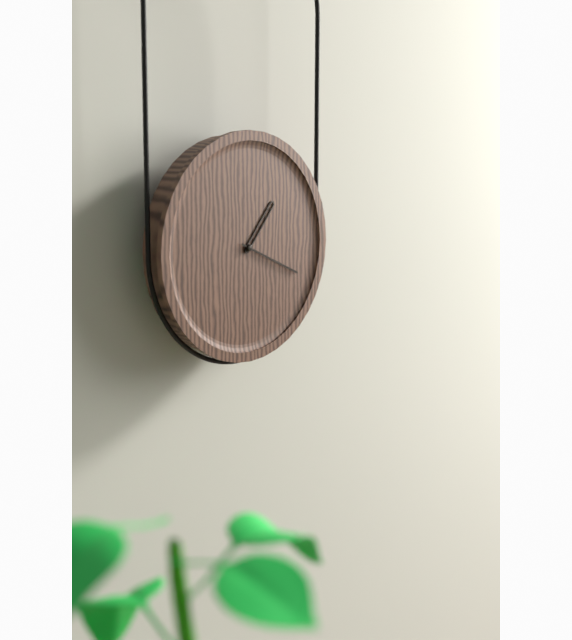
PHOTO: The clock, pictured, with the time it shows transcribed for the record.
1:19
